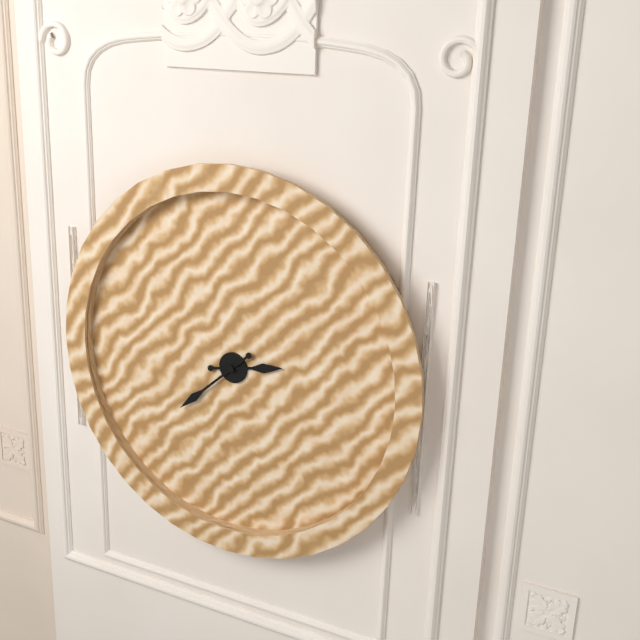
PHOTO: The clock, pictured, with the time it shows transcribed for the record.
2:38
